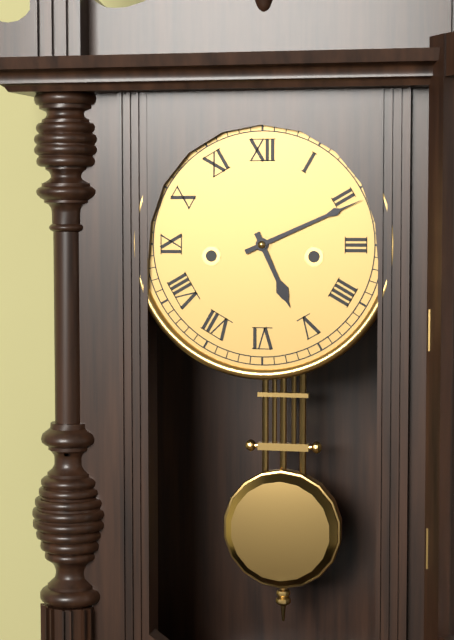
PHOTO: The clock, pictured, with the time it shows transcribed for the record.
5:11
